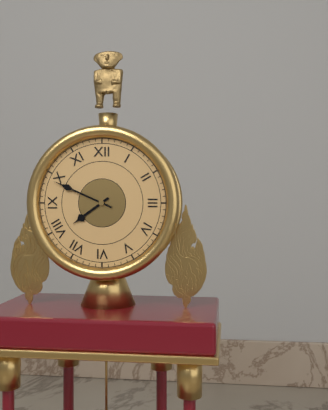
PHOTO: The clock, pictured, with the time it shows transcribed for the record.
7:49
